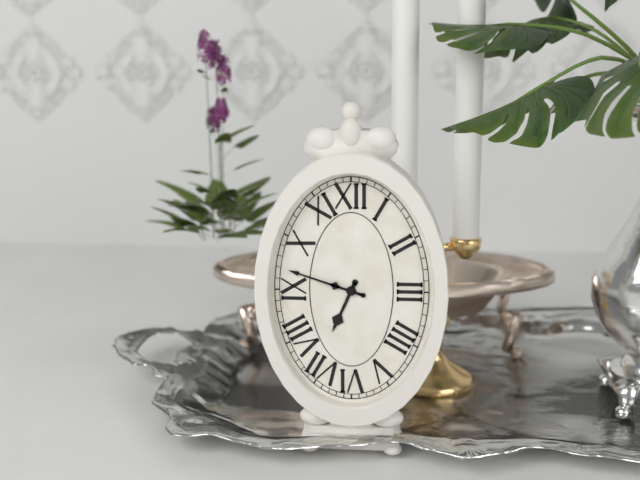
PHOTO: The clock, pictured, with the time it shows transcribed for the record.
6:48
